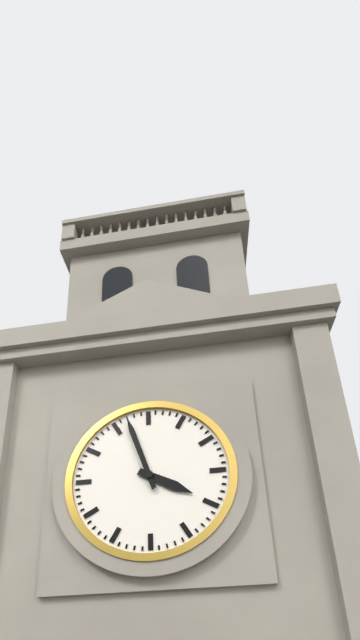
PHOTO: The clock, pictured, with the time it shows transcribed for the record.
3:57
